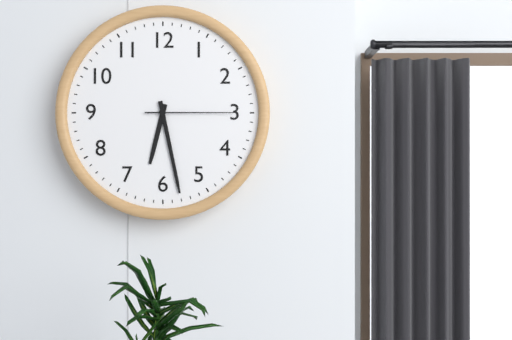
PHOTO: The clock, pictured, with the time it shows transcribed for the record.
6:28:15
